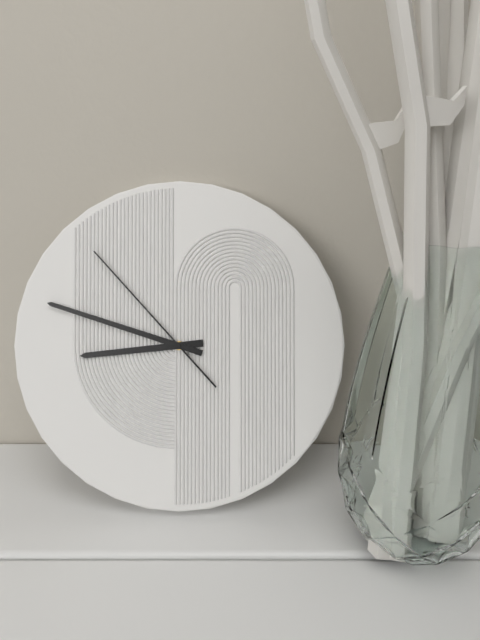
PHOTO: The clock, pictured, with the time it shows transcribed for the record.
8:48:53
